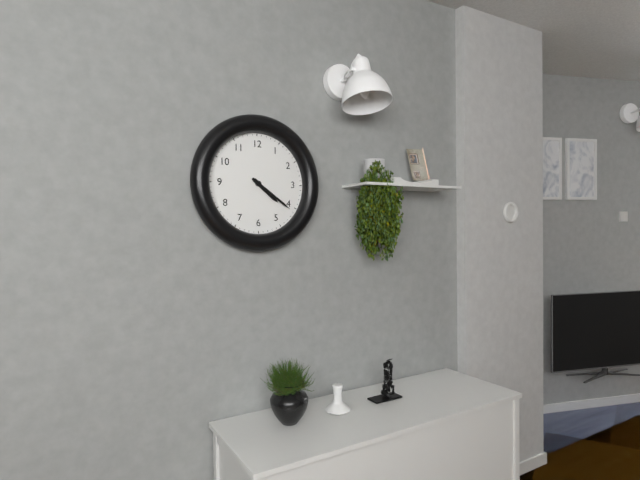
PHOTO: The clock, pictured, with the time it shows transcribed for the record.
4:21
